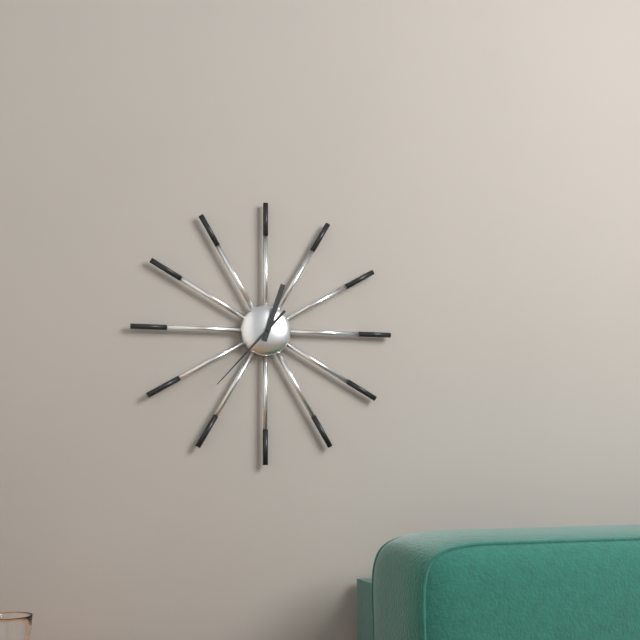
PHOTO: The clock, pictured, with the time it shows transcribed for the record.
12:37
